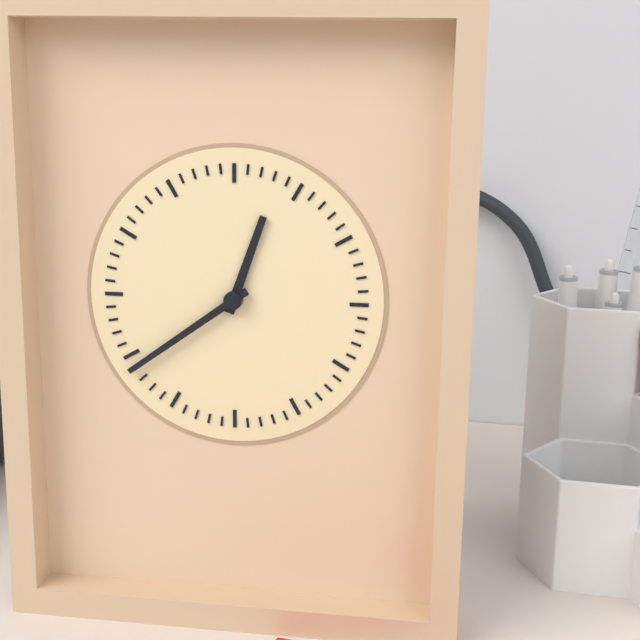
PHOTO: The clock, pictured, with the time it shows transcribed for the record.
12:39
